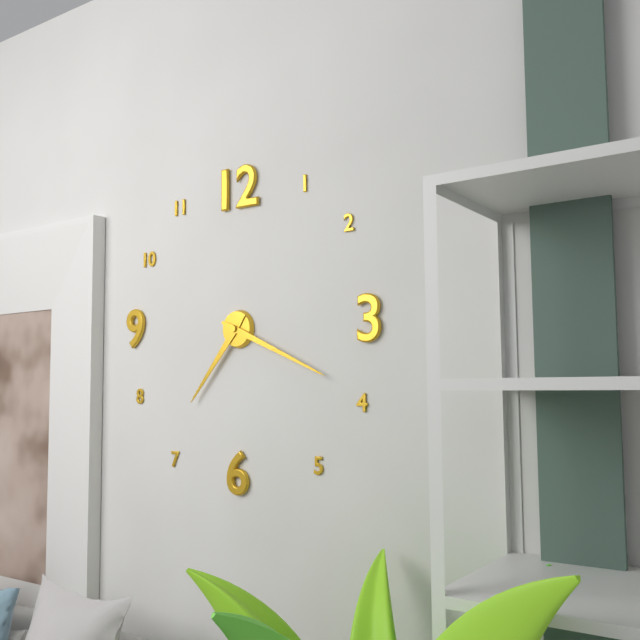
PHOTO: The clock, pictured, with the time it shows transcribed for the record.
7:19
